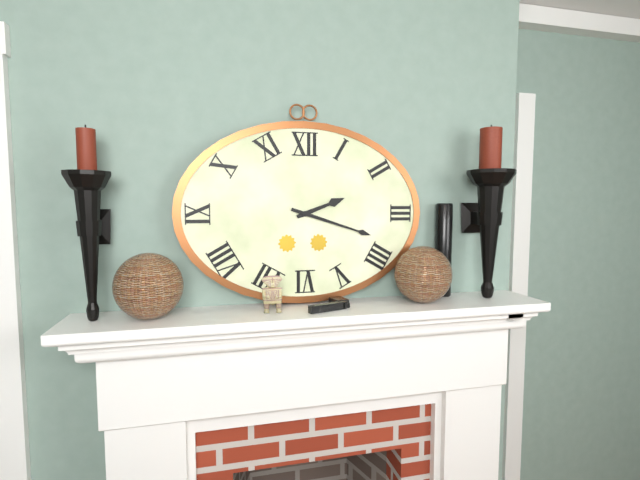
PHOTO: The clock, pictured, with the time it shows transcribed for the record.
2:18
